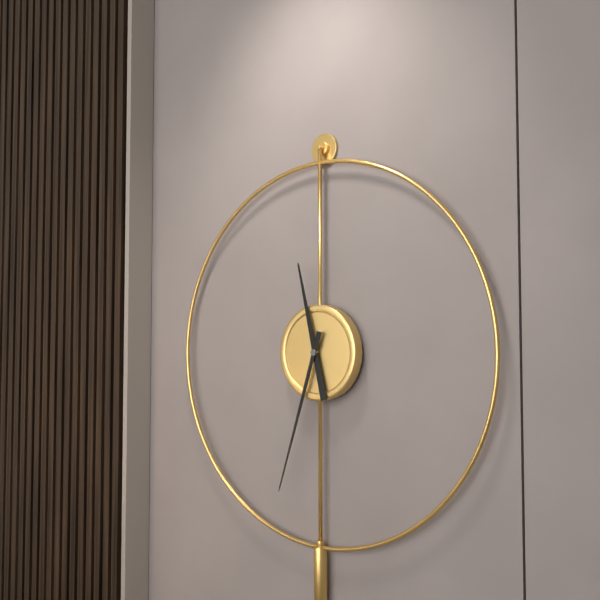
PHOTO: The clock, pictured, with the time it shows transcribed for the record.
11:33
